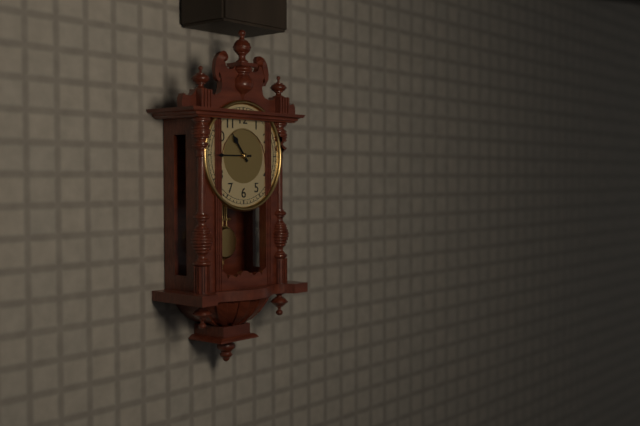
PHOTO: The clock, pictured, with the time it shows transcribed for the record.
10:45
